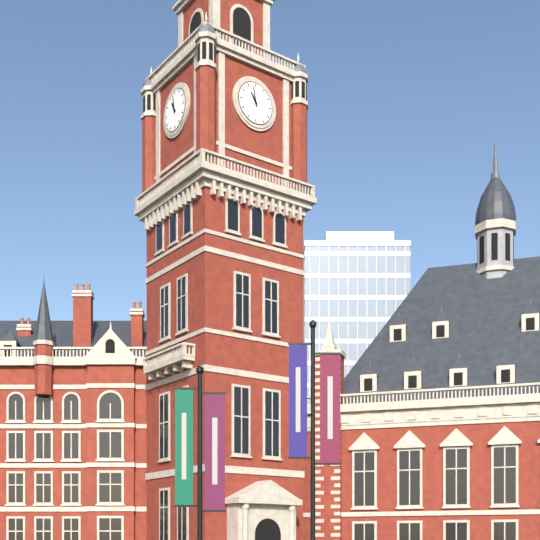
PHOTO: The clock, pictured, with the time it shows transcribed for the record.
10:58
